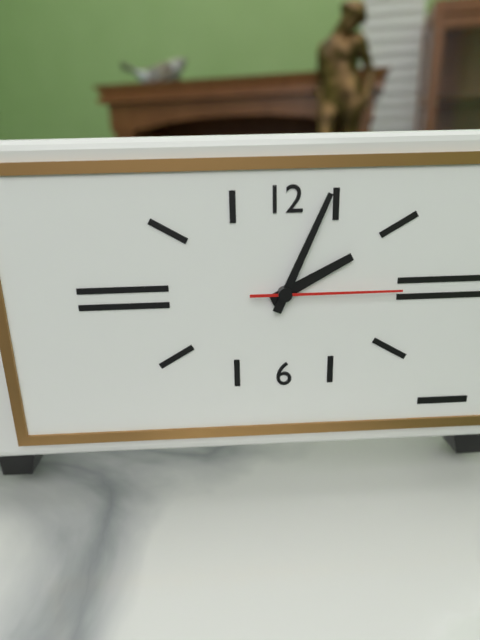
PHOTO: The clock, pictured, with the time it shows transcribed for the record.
2:04:15
